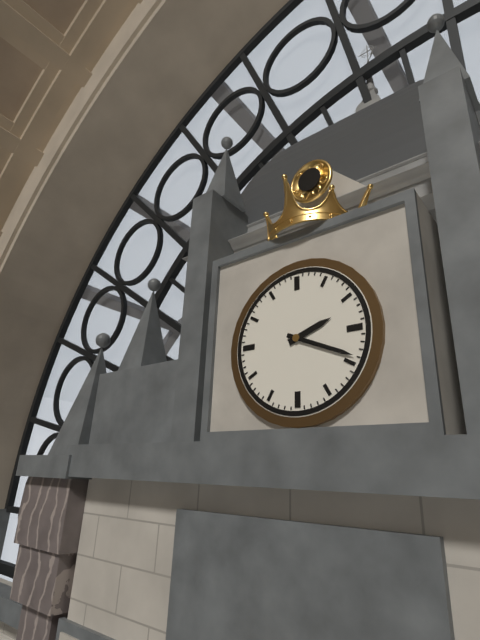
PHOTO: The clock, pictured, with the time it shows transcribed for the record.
2:19
